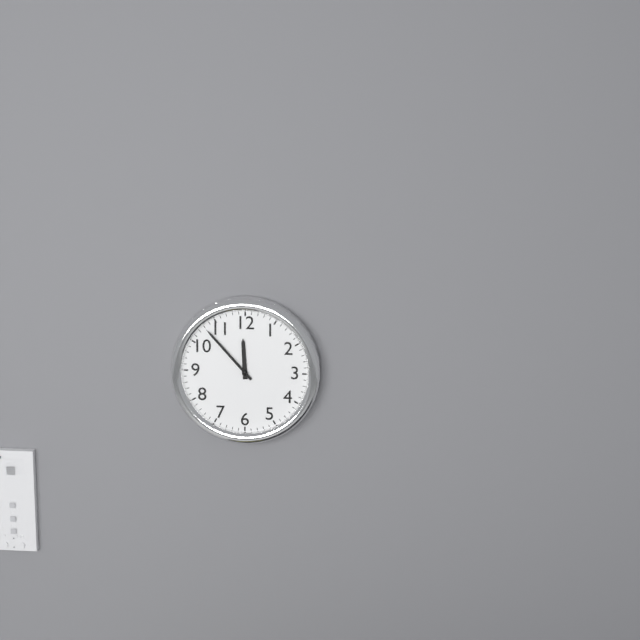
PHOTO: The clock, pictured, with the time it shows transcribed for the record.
11:53
